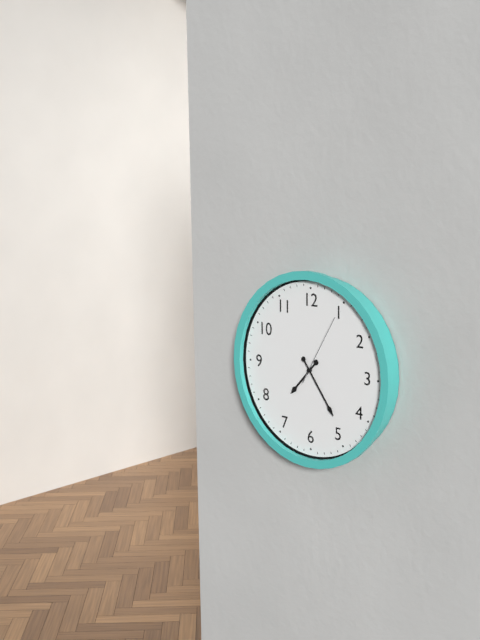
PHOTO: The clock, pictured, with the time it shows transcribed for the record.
7:24:05
